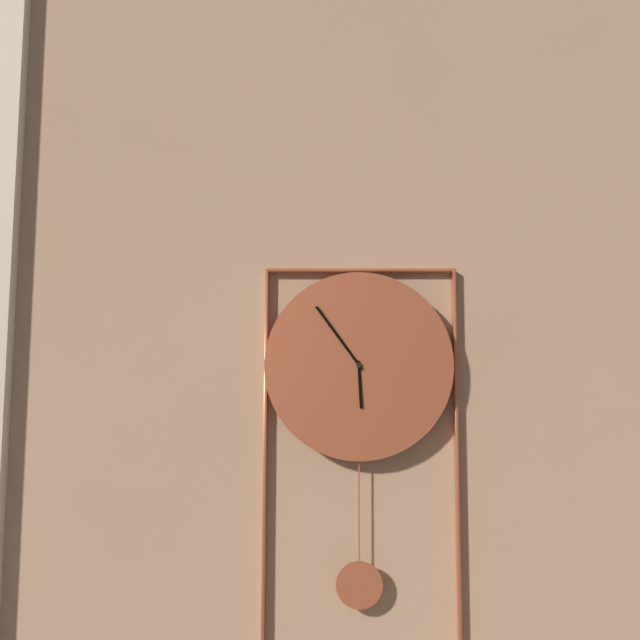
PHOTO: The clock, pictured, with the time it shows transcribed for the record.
5:54
